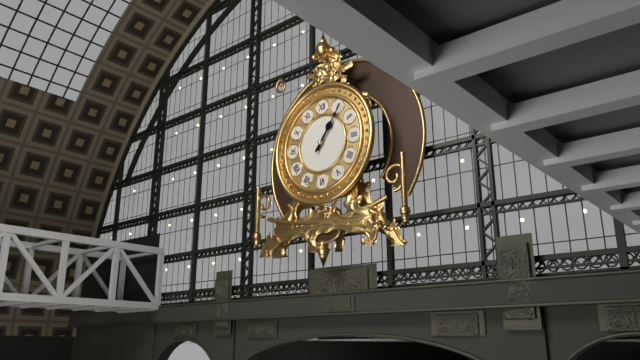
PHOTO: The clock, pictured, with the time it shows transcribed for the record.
1:06
